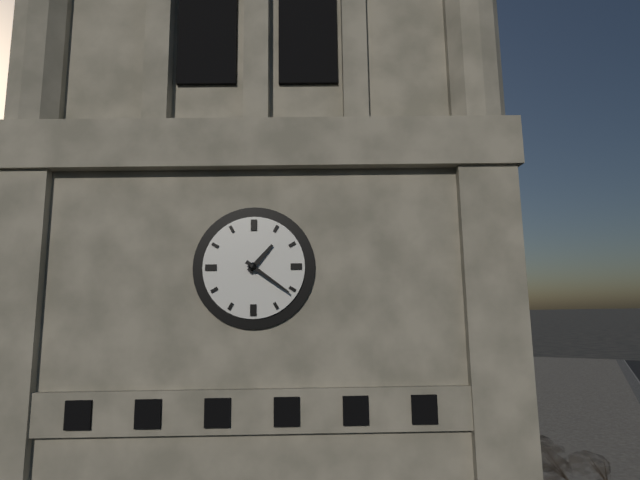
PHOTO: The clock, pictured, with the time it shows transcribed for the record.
1:21
